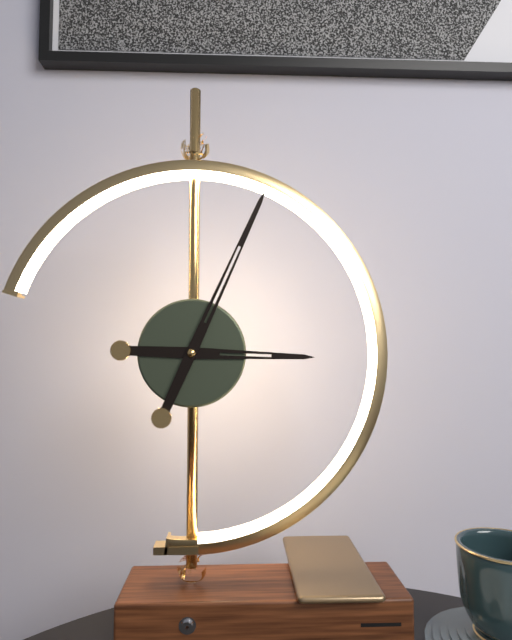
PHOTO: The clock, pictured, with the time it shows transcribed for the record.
3:04
